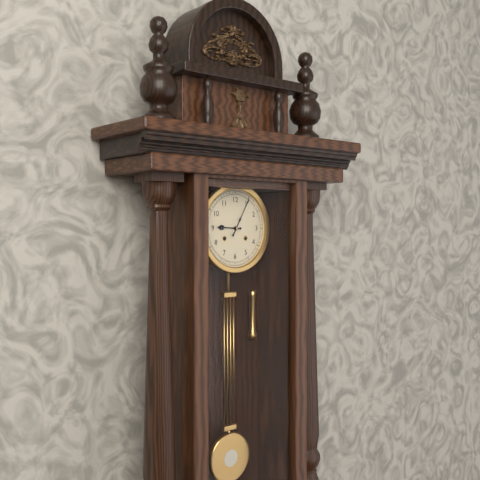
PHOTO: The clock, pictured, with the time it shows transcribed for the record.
9:05
